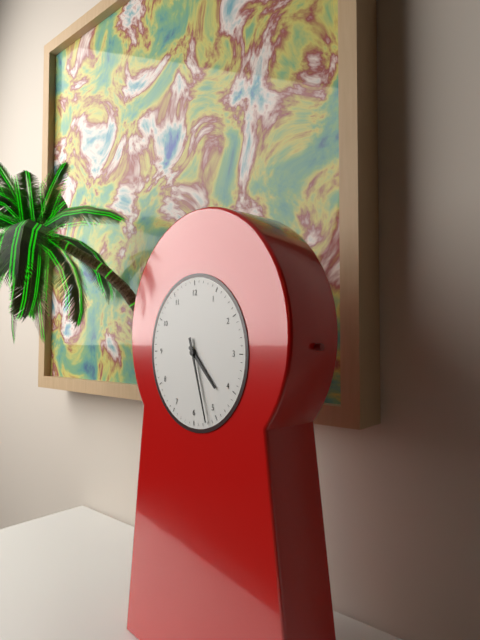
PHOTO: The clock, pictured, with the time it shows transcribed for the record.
4:27
